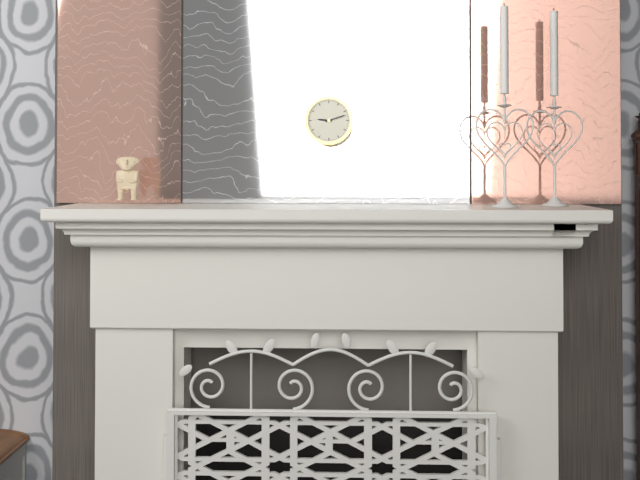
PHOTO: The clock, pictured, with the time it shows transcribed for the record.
9:12
